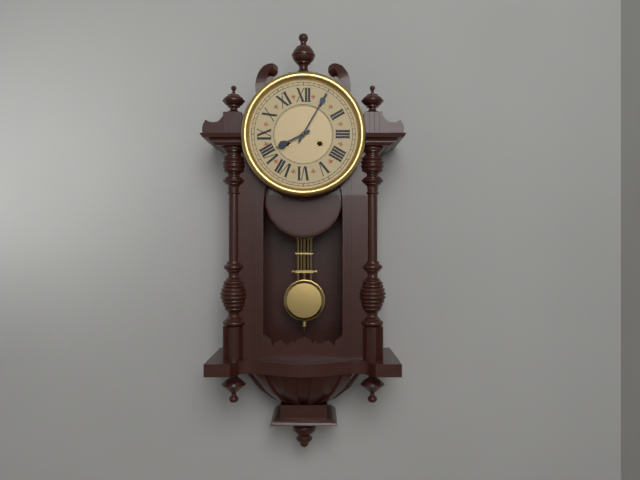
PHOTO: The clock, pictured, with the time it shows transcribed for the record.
8:05
